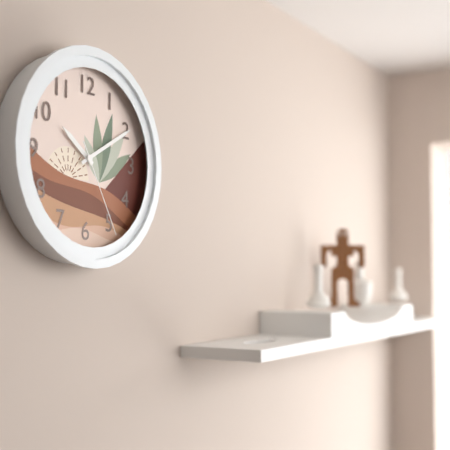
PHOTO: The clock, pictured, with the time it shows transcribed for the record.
10:10:25
